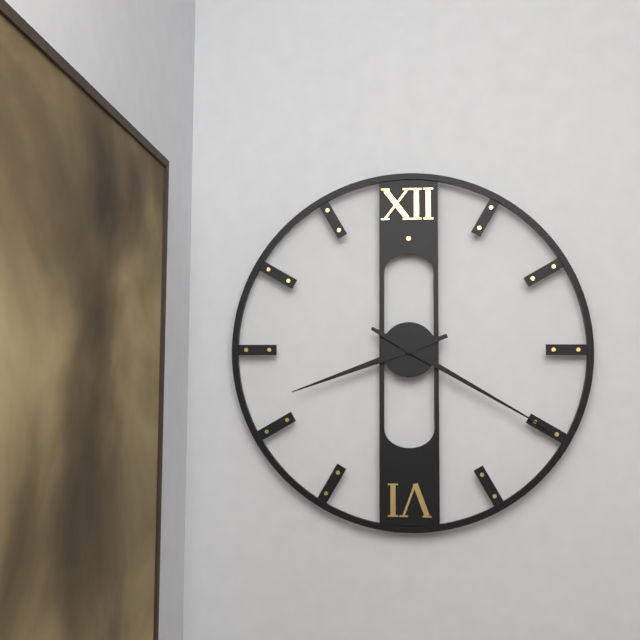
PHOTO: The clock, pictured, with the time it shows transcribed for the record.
8:20
